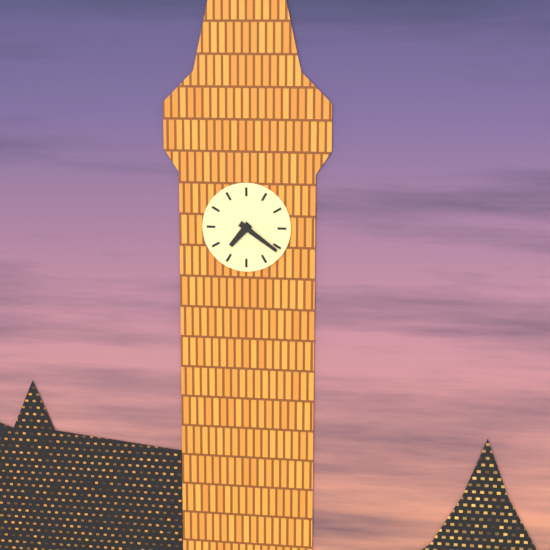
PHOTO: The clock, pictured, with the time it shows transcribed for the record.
7:21
